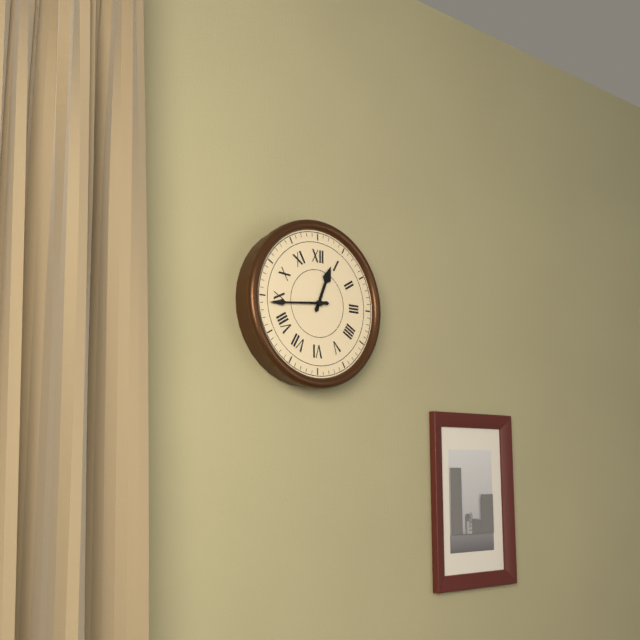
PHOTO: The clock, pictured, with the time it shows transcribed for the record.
12:44
